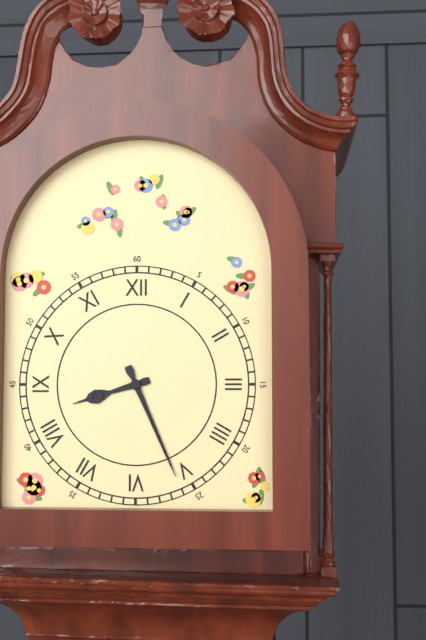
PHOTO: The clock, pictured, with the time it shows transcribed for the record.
8:26
